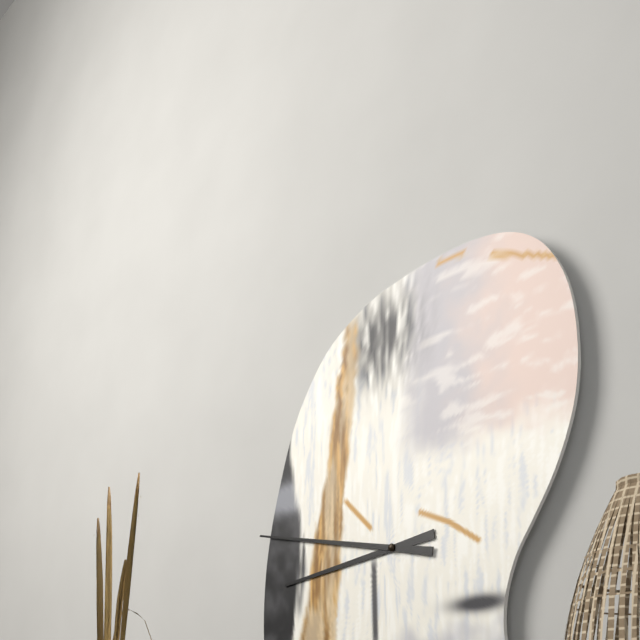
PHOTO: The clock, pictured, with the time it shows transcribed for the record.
8:47
